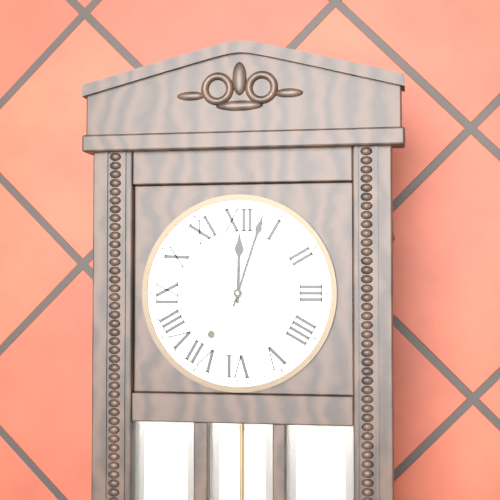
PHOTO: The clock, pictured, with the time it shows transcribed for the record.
12:03
